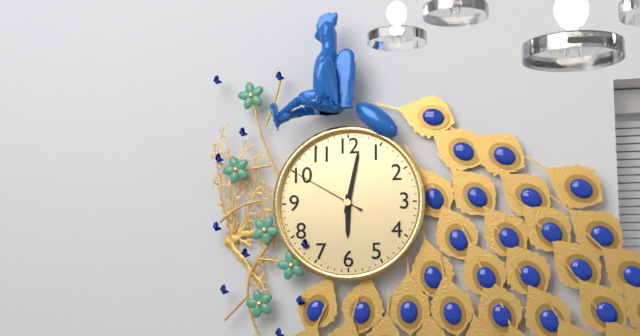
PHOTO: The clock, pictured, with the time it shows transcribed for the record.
6:02:50
